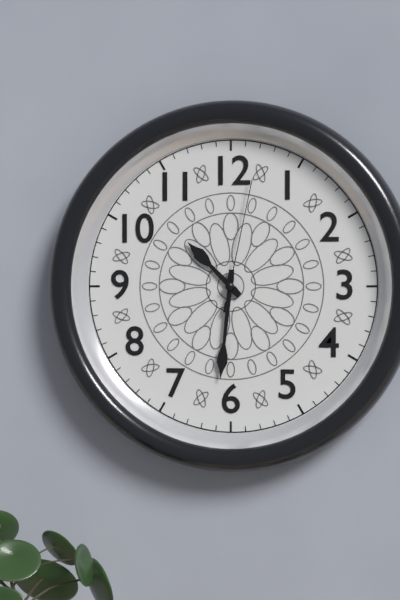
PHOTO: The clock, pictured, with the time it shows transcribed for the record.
10:31:02
